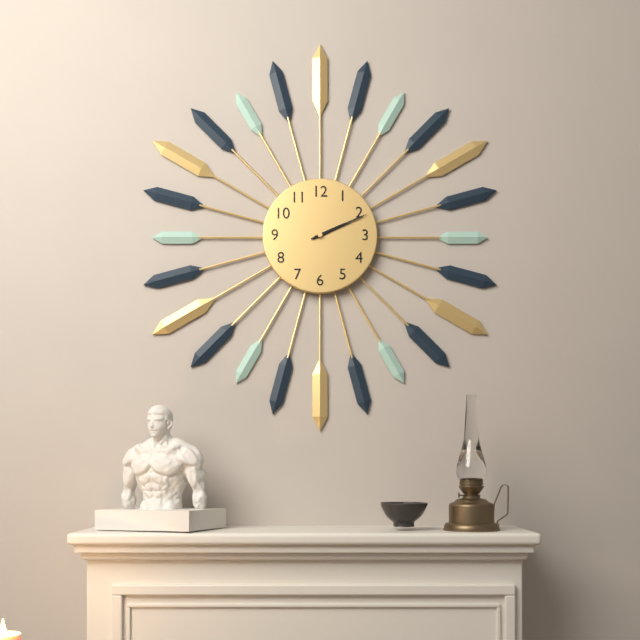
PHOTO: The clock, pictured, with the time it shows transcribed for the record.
2:11
